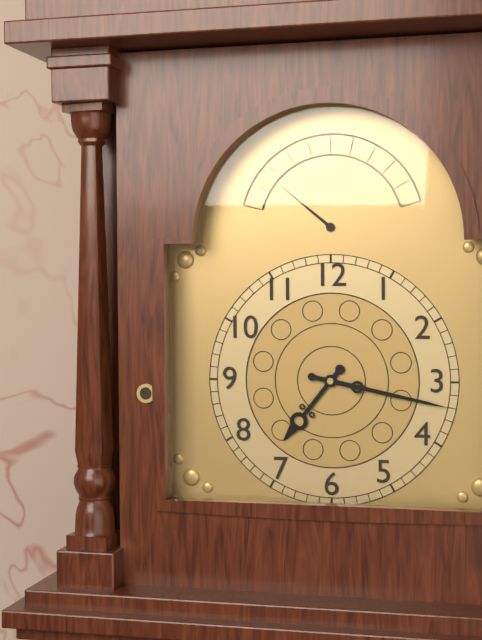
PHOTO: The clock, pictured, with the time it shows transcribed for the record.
7:17
